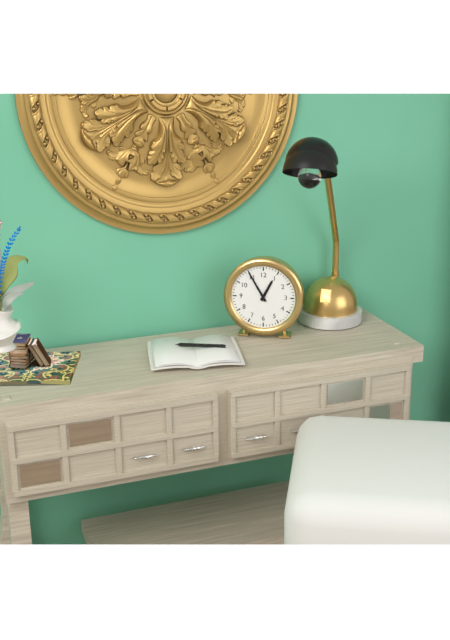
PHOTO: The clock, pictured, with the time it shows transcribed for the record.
12:55
